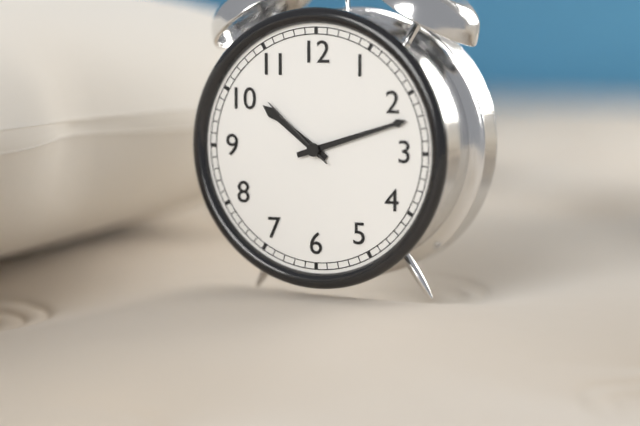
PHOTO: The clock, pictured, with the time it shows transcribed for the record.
10:12:52
